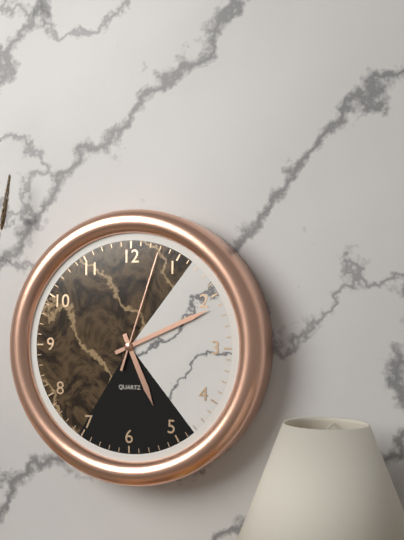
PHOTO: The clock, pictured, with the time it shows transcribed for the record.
5:11:03
